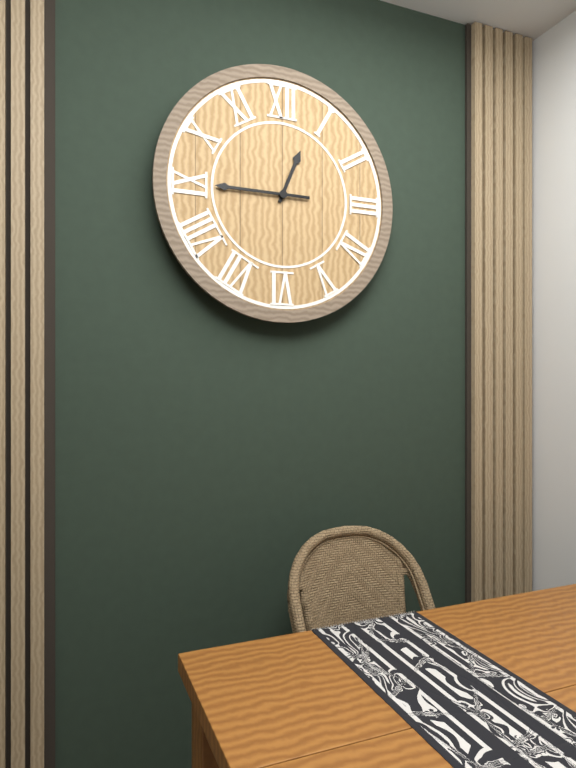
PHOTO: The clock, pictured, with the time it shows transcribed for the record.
12:45
